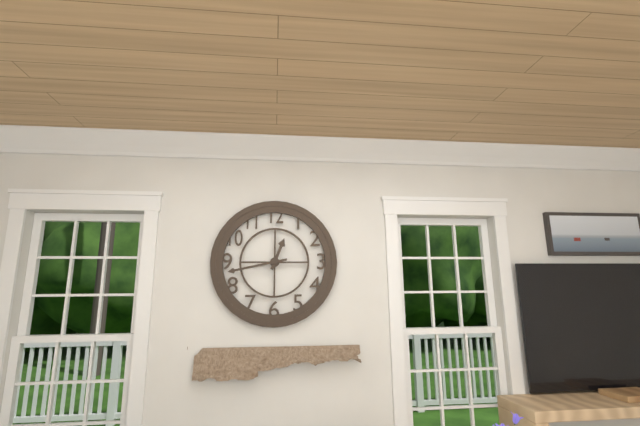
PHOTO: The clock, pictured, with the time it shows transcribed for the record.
12:43
